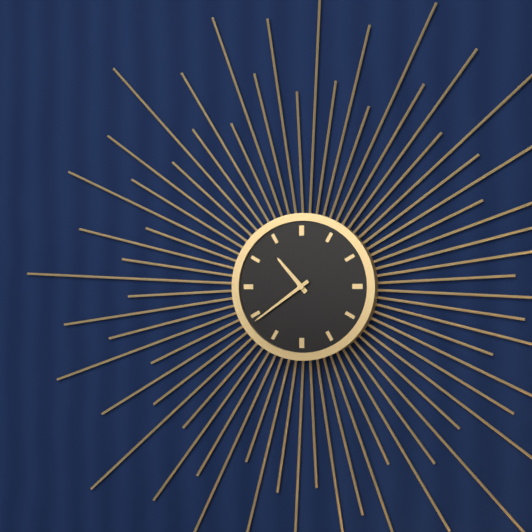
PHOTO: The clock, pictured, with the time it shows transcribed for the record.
10:39
